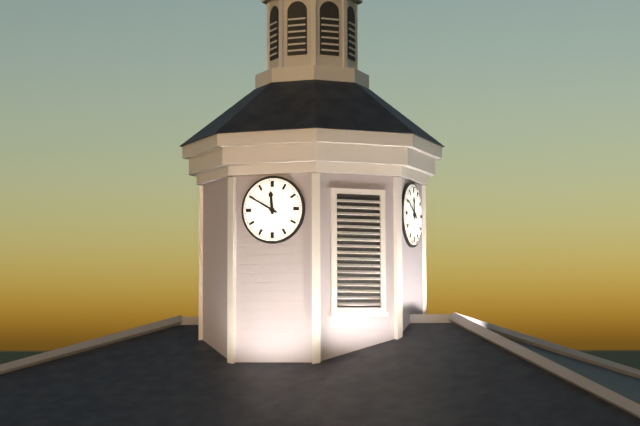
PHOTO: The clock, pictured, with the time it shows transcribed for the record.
11:50
